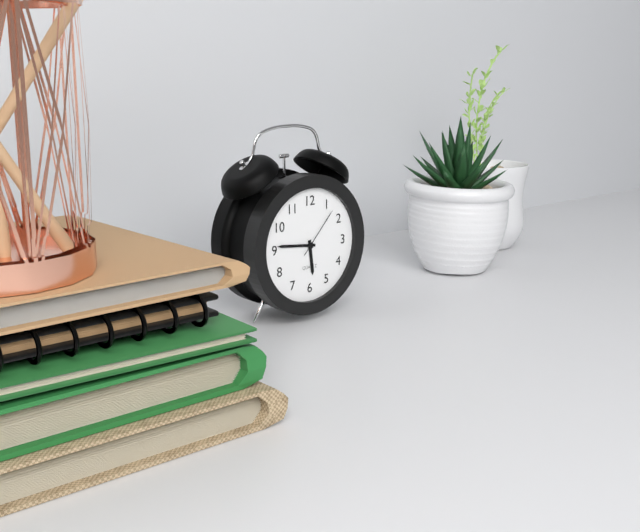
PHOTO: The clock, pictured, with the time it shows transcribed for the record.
5:46:07
